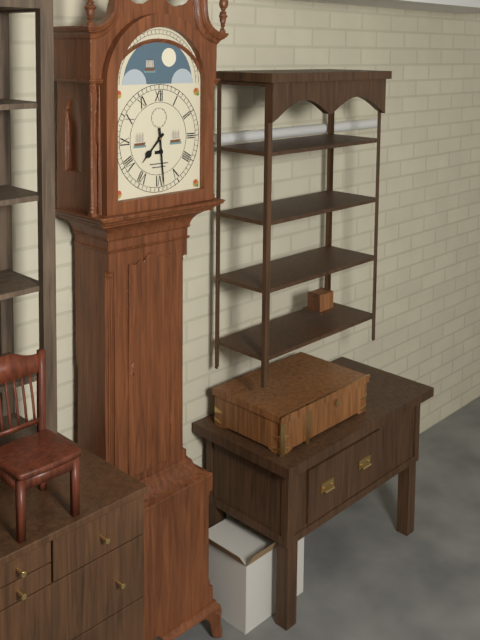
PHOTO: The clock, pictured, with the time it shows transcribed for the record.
7:29
